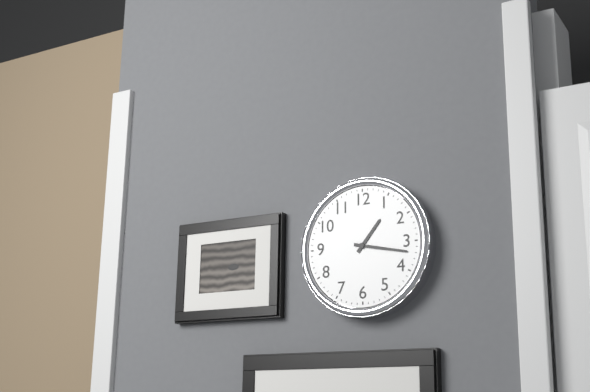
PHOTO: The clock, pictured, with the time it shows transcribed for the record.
1:17
